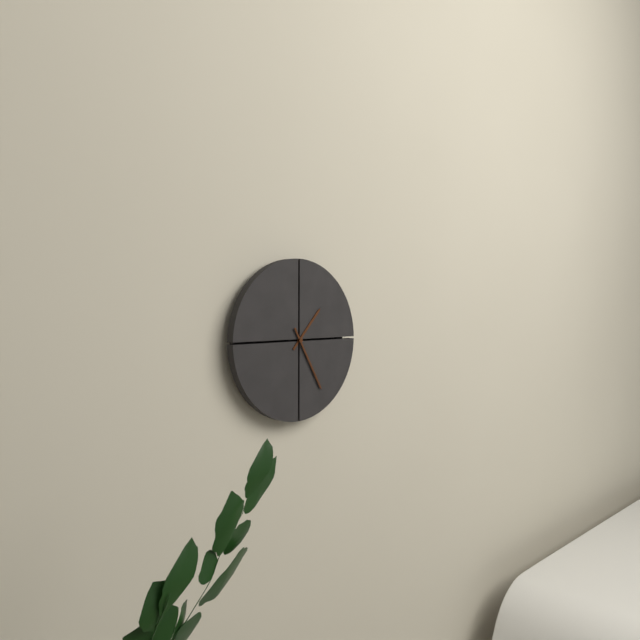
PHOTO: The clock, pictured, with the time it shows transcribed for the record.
1:25
